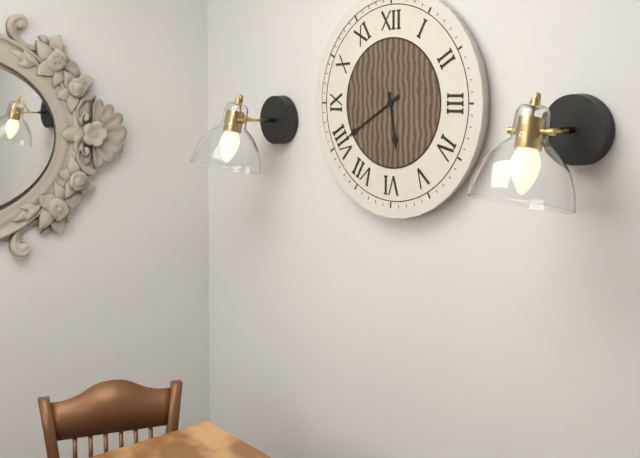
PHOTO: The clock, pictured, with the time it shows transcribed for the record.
5:40
